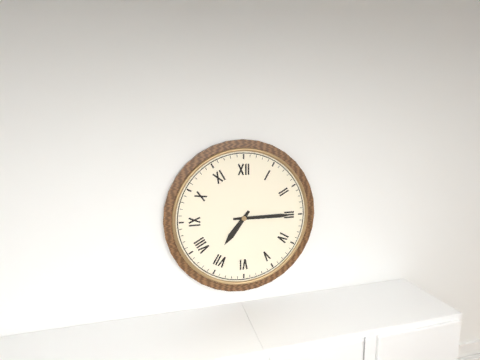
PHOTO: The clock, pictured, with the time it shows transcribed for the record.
7:15
